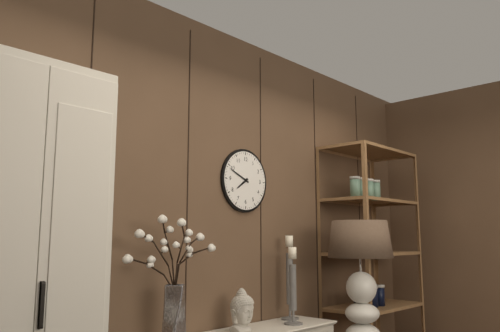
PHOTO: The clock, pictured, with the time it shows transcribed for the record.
7:49
